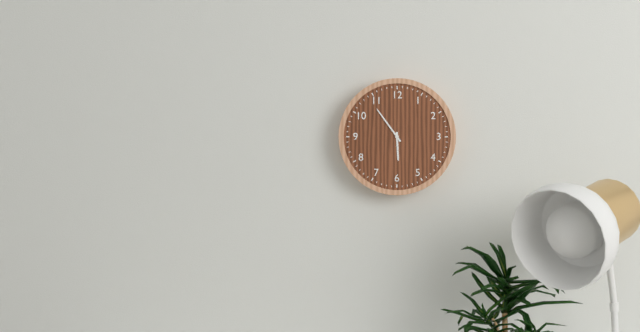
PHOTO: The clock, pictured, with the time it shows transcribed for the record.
5:54
